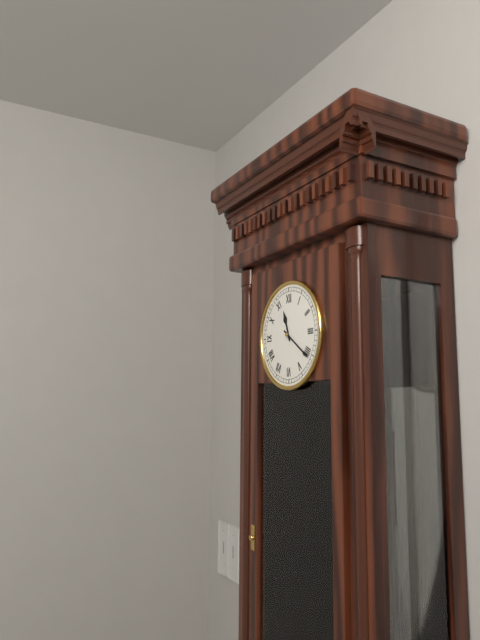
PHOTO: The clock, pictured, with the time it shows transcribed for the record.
11:21
